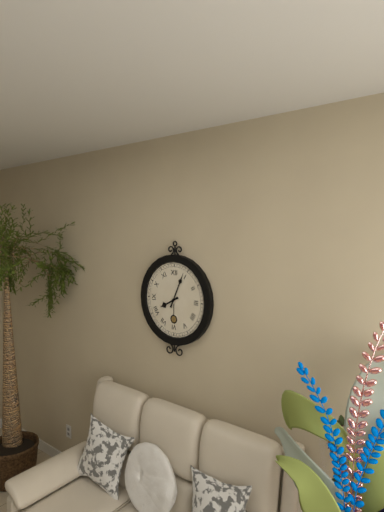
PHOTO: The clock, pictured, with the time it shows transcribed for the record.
8:04
